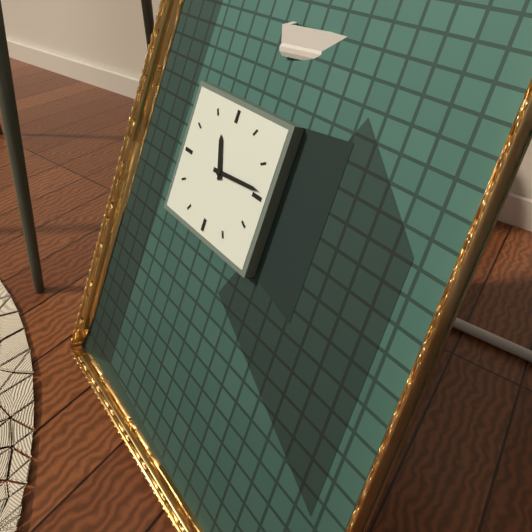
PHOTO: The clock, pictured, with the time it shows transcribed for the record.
11:14
